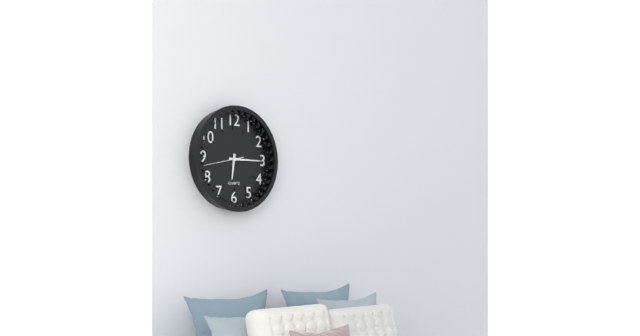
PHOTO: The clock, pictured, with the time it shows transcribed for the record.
6:15
